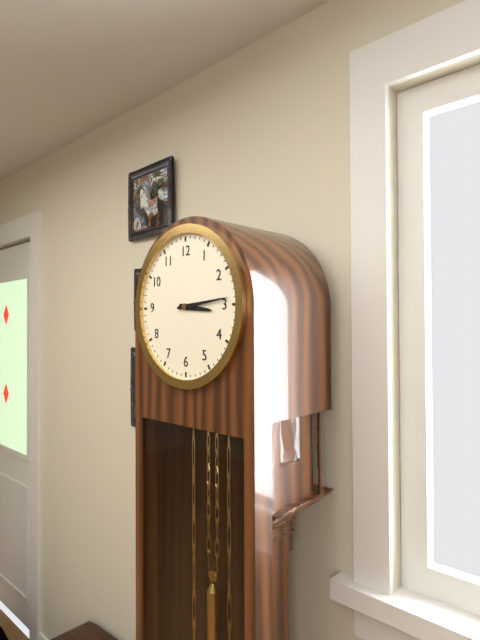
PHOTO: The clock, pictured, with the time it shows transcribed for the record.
3:14
